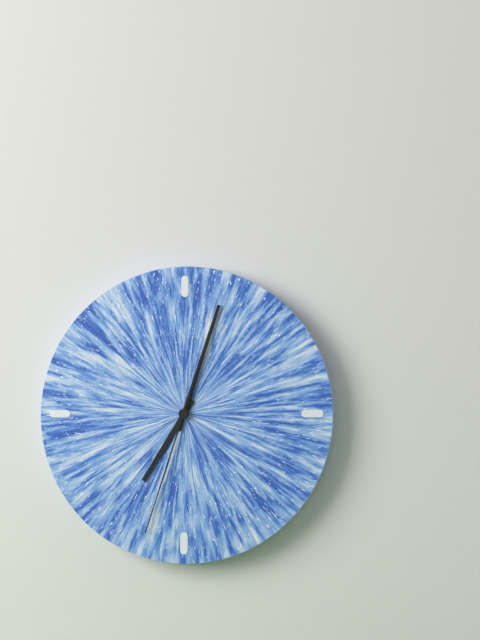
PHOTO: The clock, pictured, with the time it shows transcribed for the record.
7:03:33
